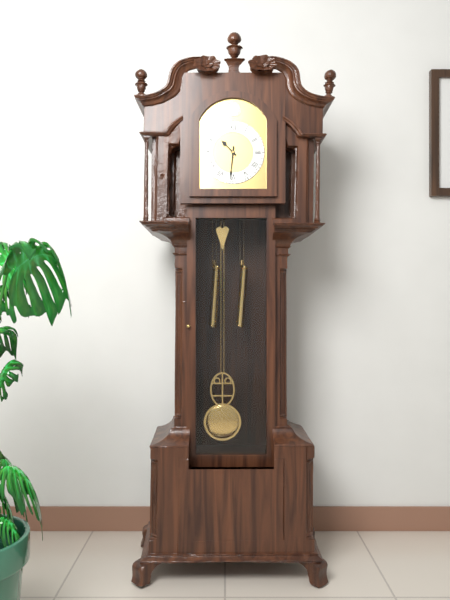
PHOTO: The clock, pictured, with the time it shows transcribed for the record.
10:31
